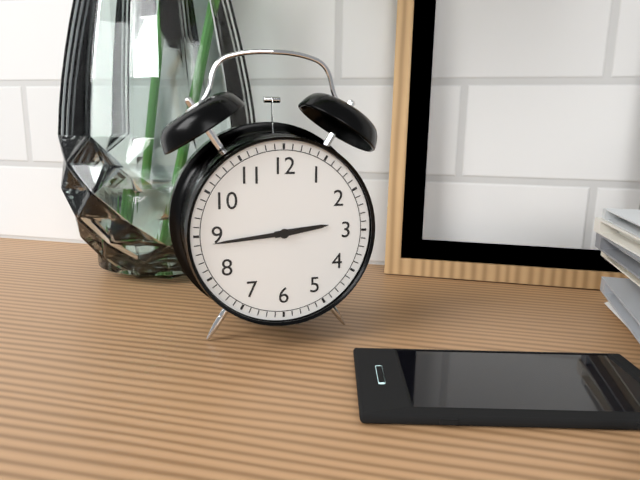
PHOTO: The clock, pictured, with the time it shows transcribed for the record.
2:44
